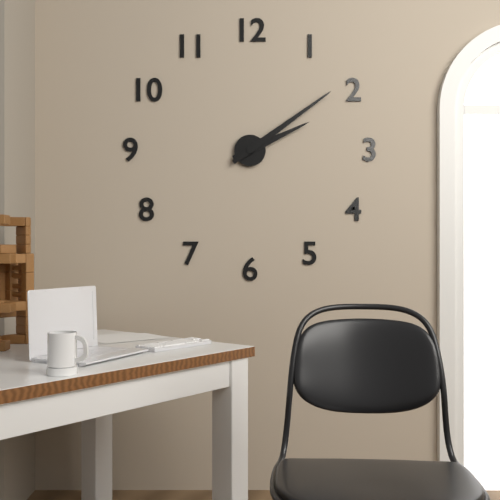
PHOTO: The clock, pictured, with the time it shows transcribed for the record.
2:09
